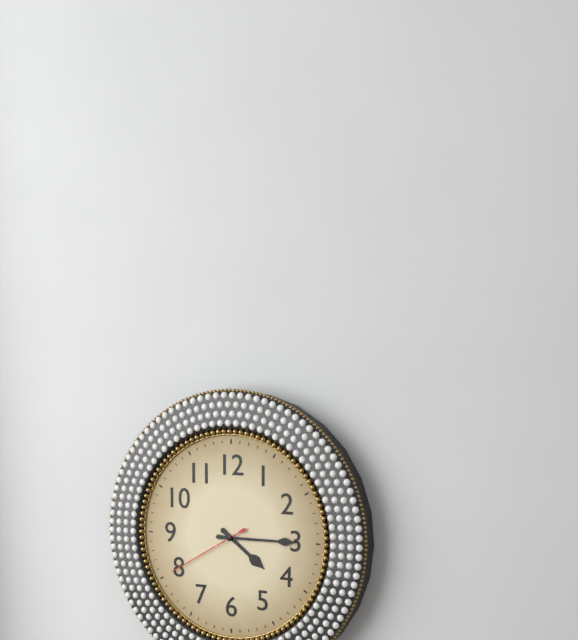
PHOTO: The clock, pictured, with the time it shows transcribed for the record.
4:15:40
